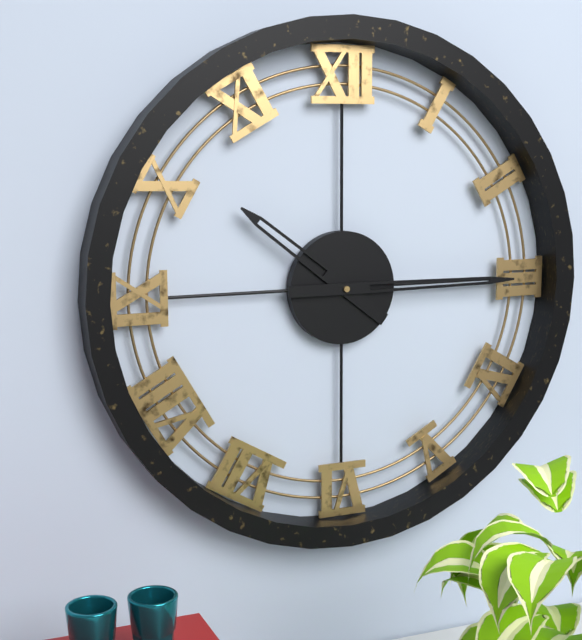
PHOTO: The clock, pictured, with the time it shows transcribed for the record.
10:15
